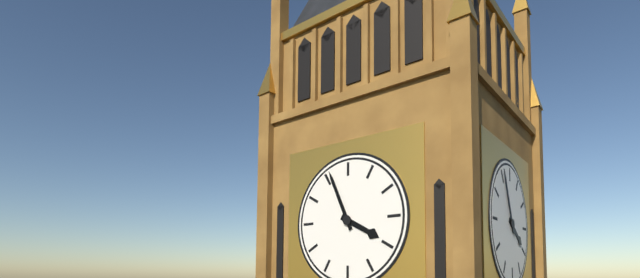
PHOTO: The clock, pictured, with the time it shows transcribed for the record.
3:56
